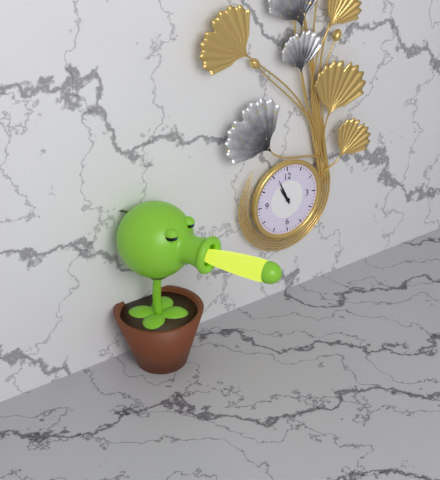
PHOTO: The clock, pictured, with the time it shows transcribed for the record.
10:56
